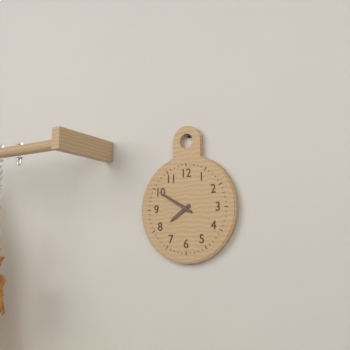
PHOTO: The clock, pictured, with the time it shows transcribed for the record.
7:50
